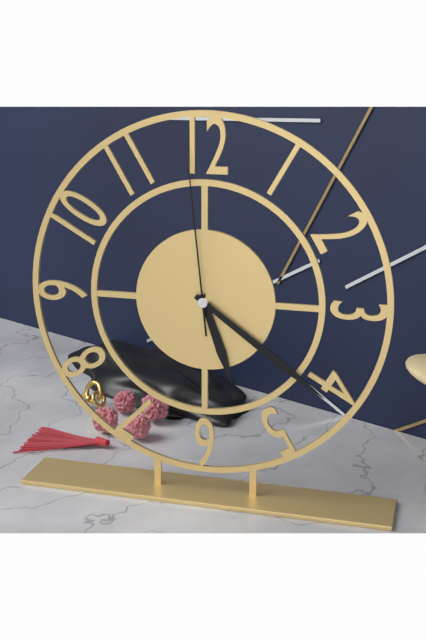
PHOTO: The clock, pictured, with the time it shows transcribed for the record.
5:21:59
